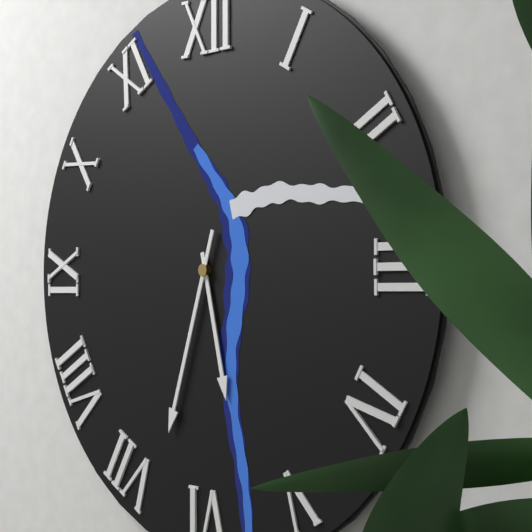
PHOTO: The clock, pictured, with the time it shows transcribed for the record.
5:33
